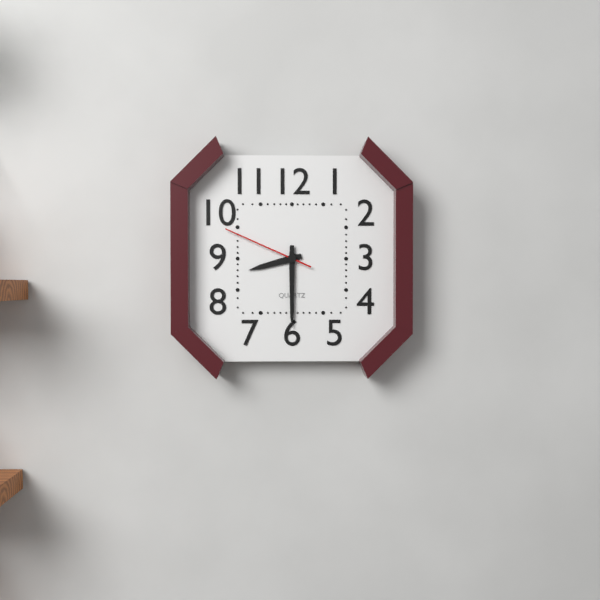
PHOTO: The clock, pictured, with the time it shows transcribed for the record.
8:30:49
